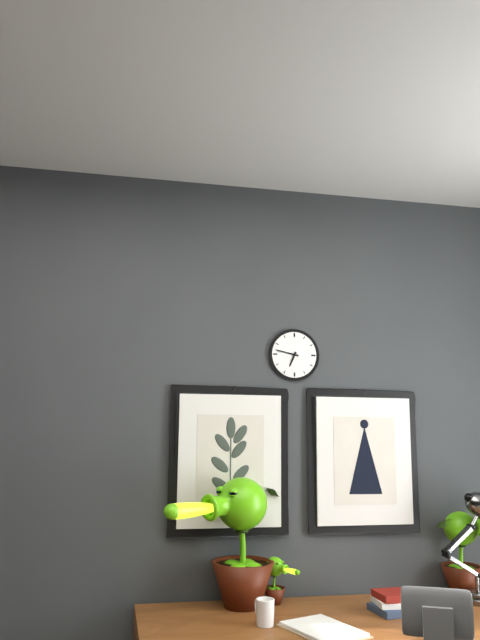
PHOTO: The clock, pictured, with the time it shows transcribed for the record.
6:47
